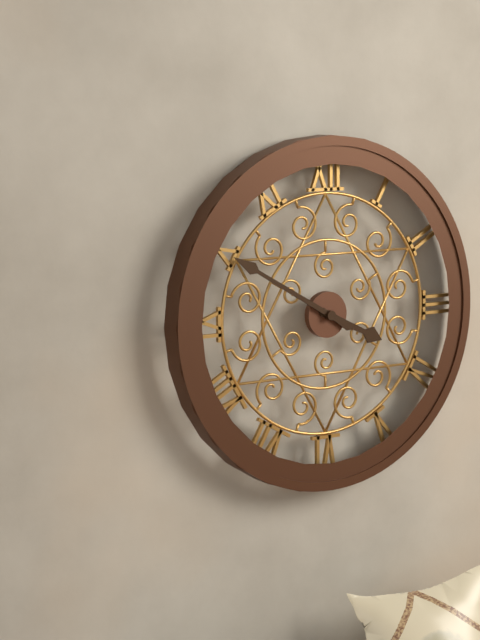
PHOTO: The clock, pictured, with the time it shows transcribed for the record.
3:50
